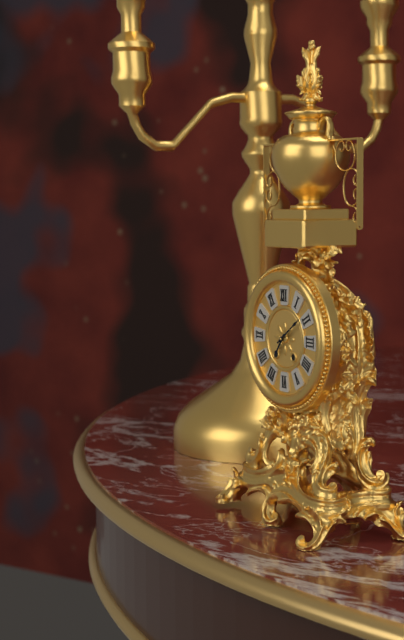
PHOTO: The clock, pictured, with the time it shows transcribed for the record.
7:09
